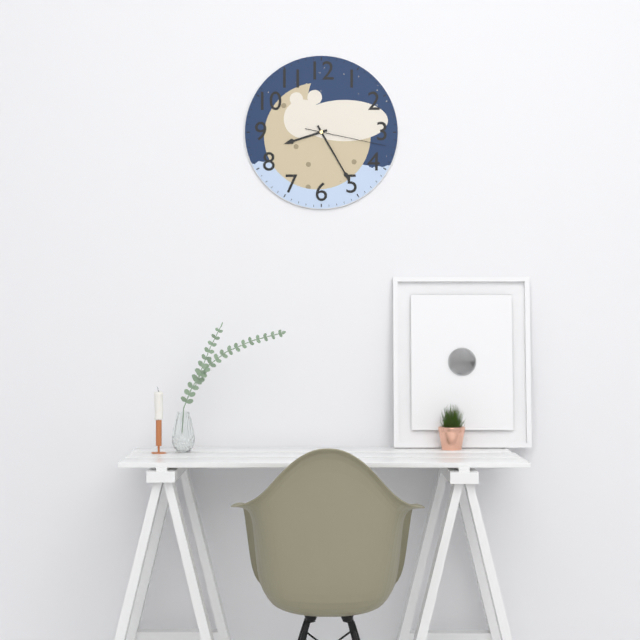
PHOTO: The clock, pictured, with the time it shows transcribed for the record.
8:25:17
